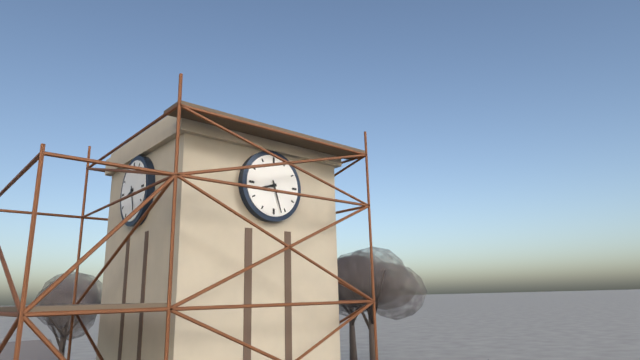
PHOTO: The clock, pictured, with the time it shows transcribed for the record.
8:27
